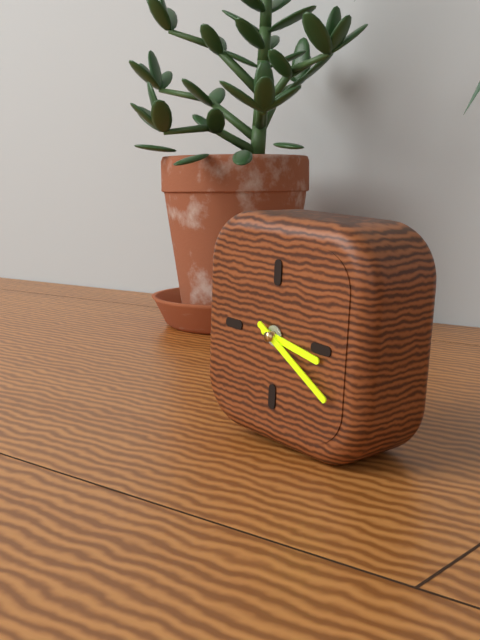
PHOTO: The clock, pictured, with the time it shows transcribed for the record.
3:20
